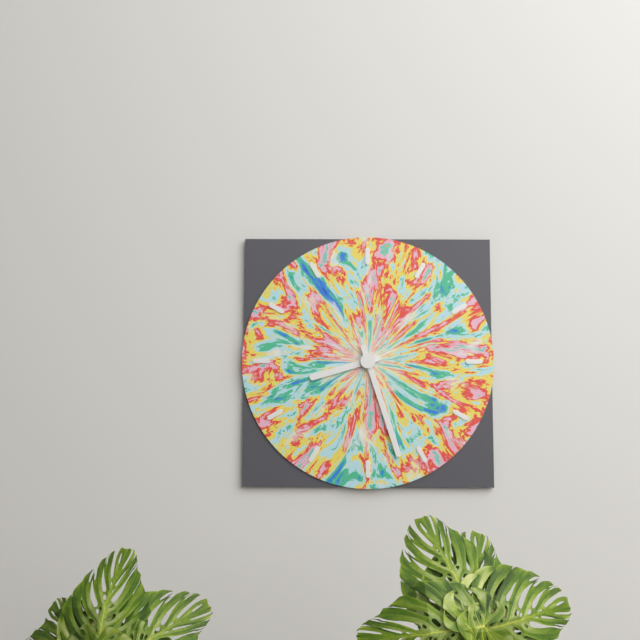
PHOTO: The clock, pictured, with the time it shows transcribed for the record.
8:27
